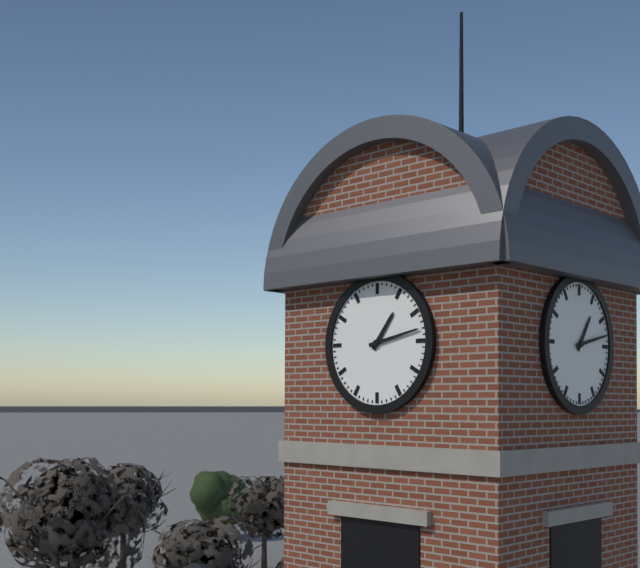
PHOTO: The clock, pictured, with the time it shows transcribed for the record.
1:13
